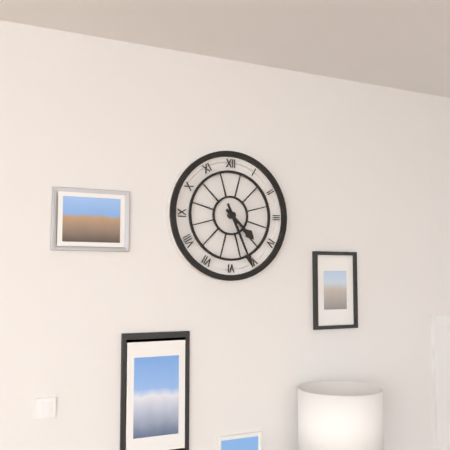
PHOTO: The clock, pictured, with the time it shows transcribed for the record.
4:26
